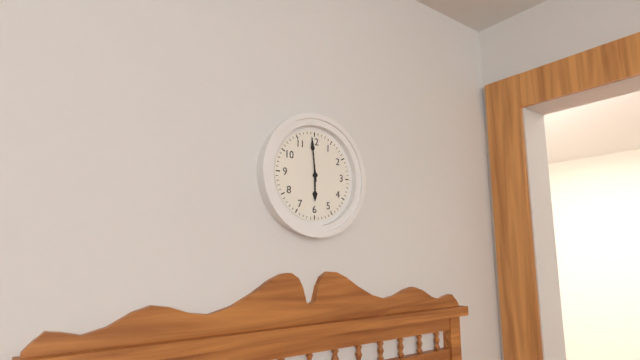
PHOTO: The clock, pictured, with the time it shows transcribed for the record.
5:59
